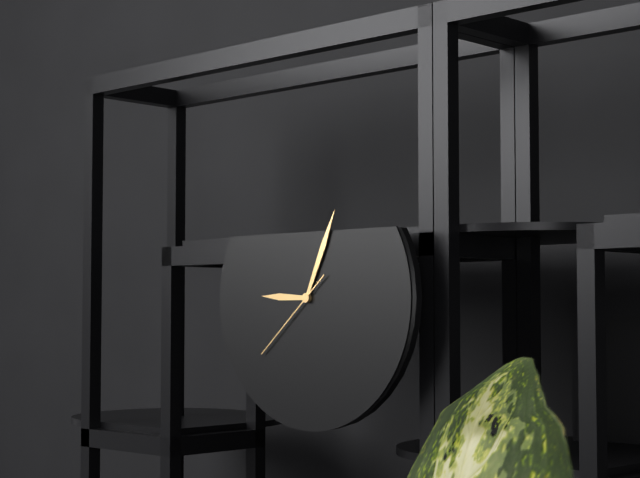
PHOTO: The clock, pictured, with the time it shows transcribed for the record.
9:04:38
